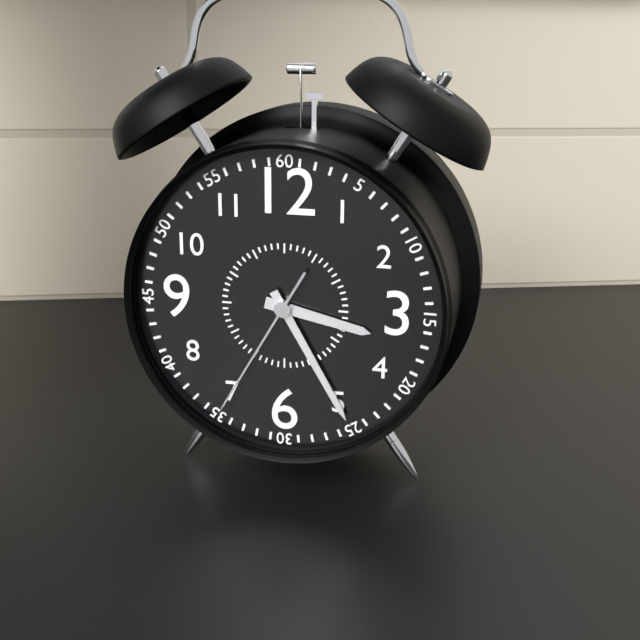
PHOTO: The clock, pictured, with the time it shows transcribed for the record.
3:25:35
